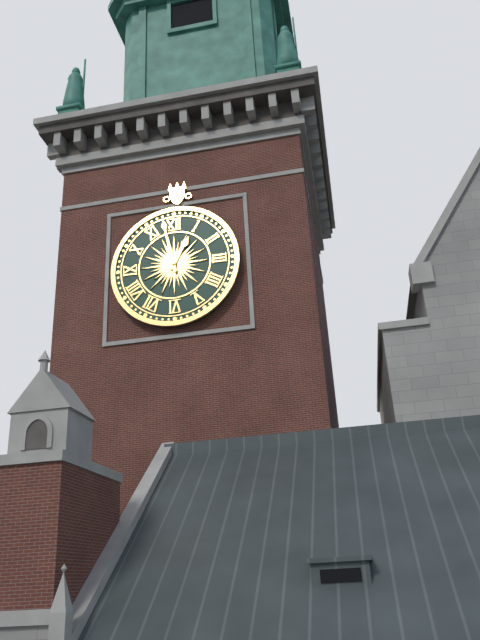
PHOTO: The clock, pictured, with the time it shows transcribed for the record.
12:58
